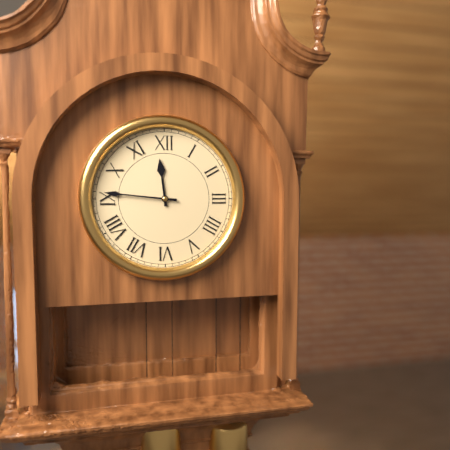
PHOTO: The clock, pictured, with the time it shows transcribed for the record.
11:46
